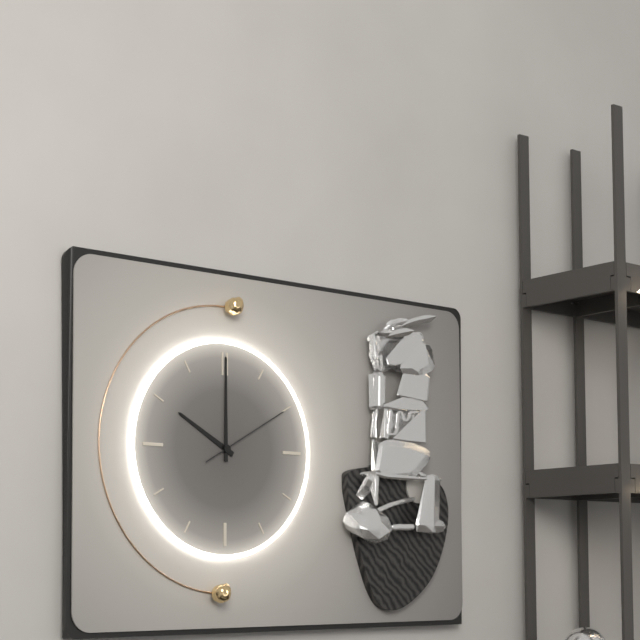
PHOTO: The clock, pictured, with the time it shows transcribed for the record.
10:00:10
